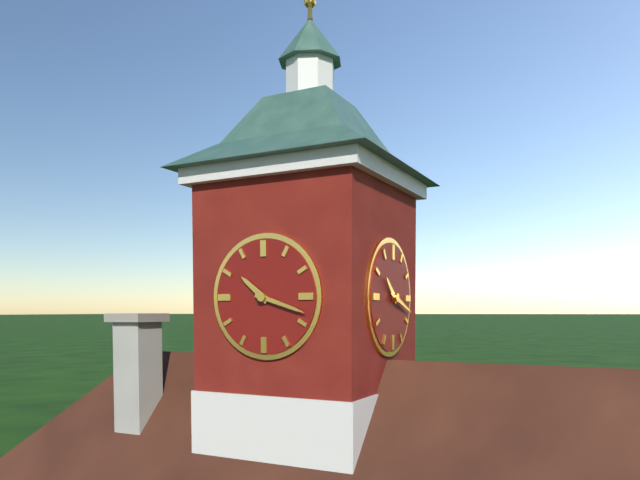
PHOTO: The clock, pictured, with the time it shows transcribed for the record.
10:18
